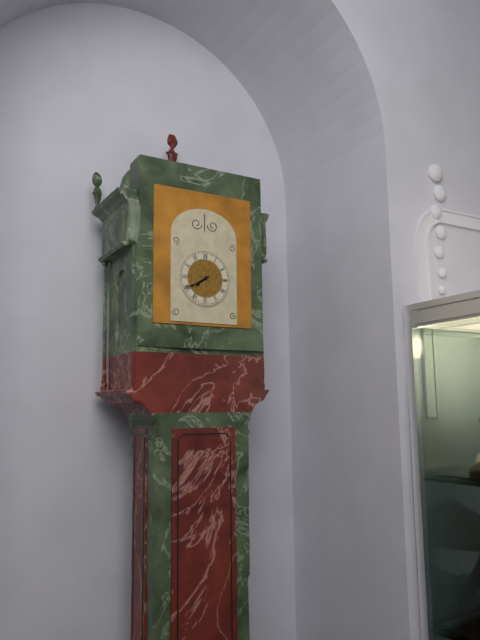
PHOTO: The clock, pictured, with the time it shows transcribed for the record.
7:40
